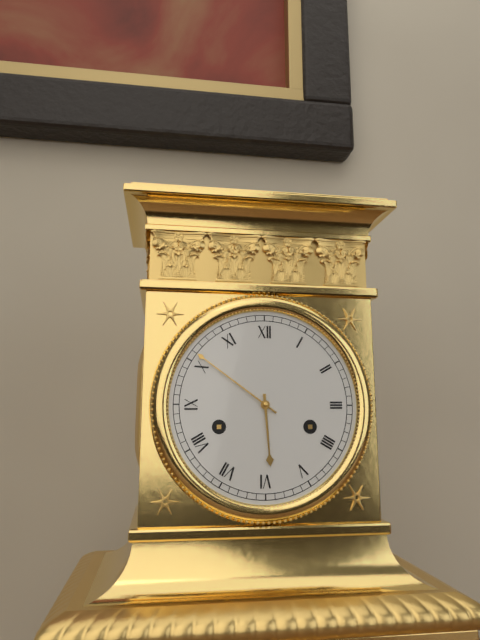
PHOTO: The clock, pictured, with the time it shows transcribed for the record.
5:51
